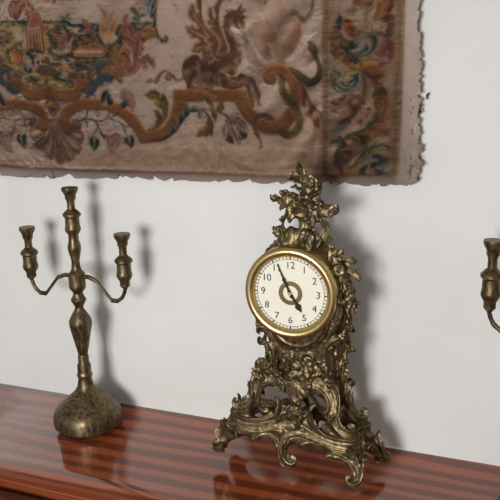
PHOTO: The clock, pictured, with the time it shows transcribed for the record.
4:56
